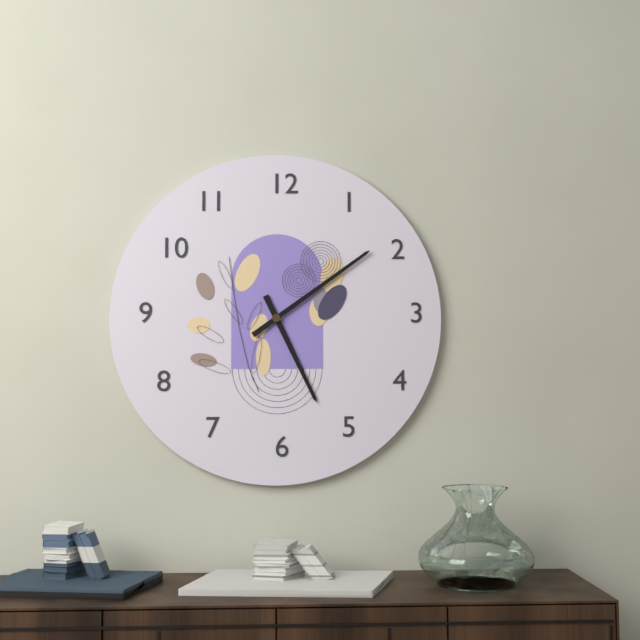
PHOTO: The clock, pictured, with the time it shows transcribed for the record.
5:09
